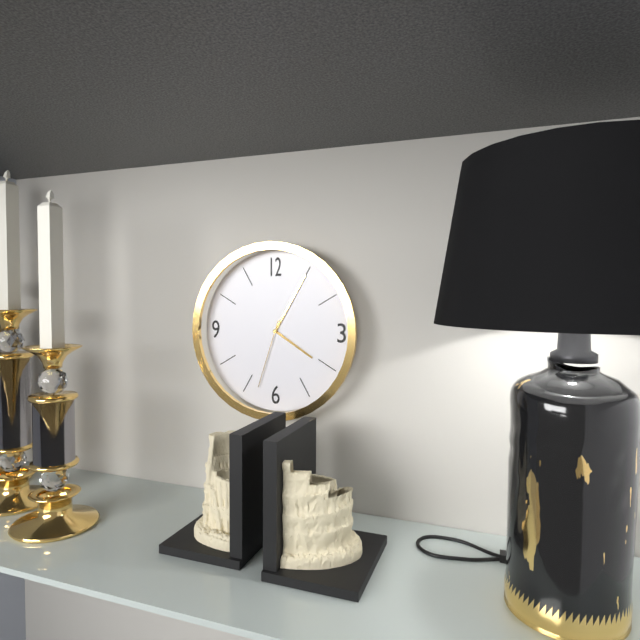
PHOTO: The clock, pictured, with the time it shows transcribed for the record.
4:05:33
